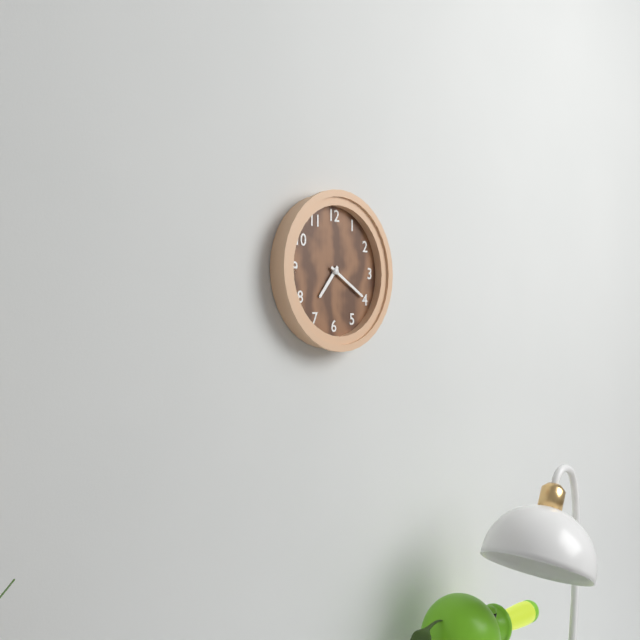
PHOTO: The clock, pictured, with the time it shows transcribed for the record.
7:20
